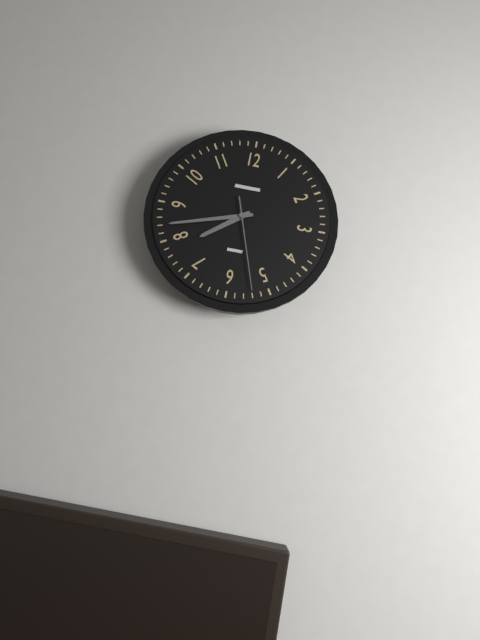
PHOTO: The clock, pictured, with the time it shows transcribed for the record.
7:42:27
